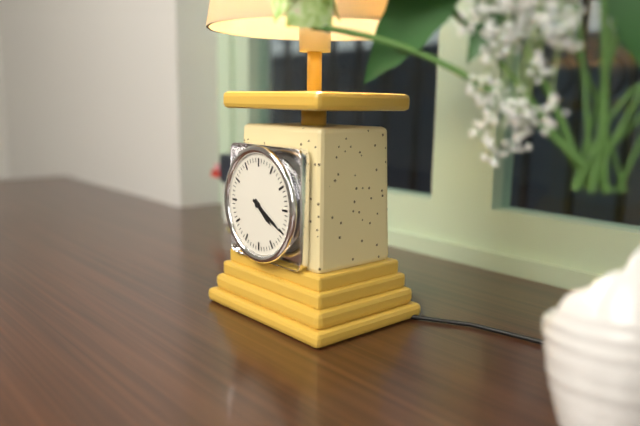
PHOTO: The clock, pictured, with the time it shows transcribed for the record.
4:20
